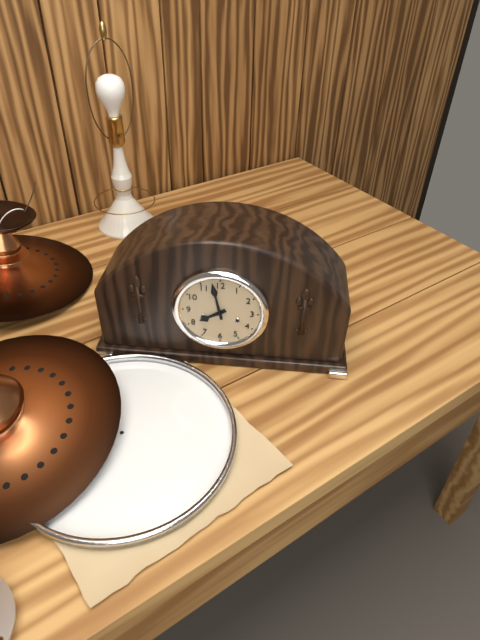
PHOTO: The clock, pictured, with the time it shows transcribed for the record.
7:58
